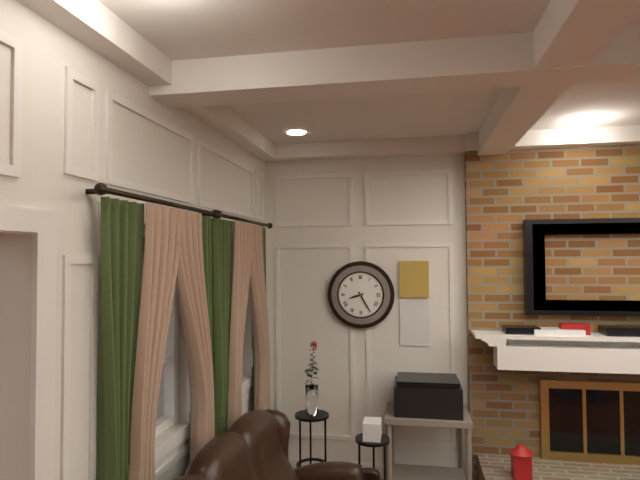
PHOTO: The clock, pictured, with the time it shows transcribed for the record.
8:25
